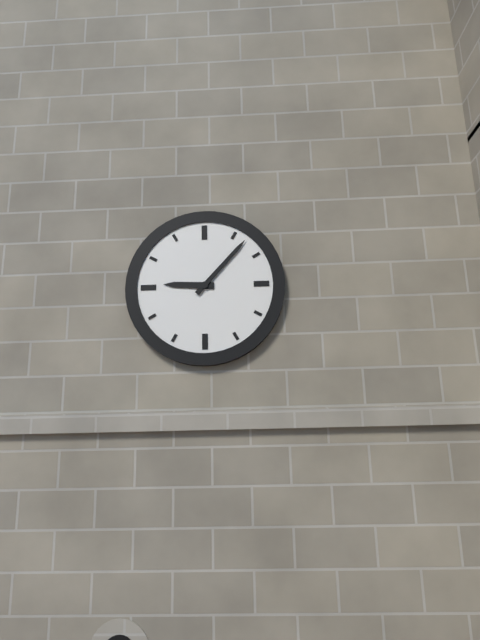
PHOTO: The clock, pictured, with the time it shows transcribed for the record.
9:07
